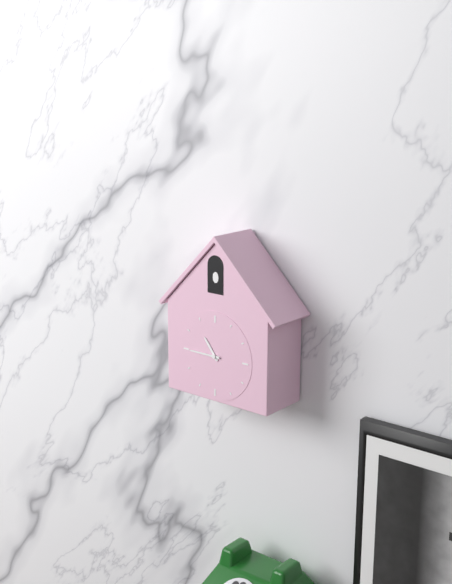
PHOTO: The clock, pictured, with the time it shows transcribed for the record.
10:45
